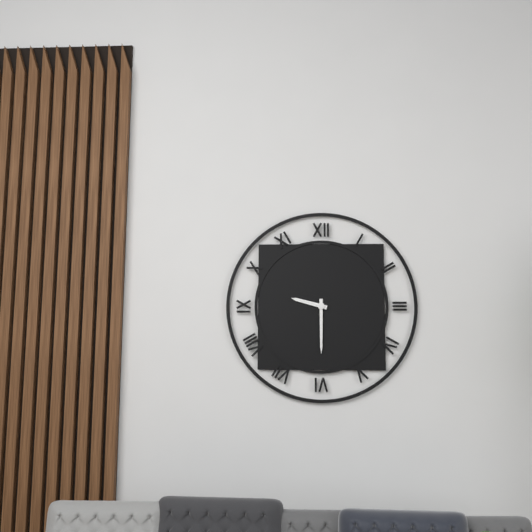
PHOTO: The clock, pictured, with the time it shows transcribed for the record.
9:30
